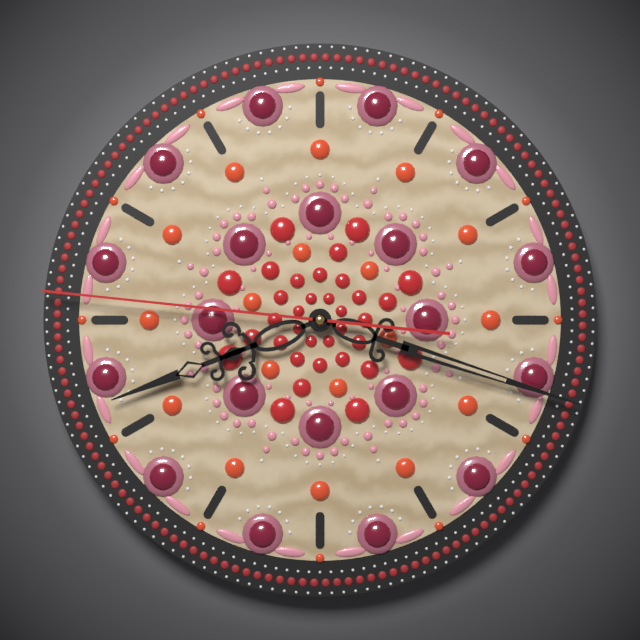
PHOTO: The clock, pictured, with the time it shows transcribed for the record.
8:18:46
